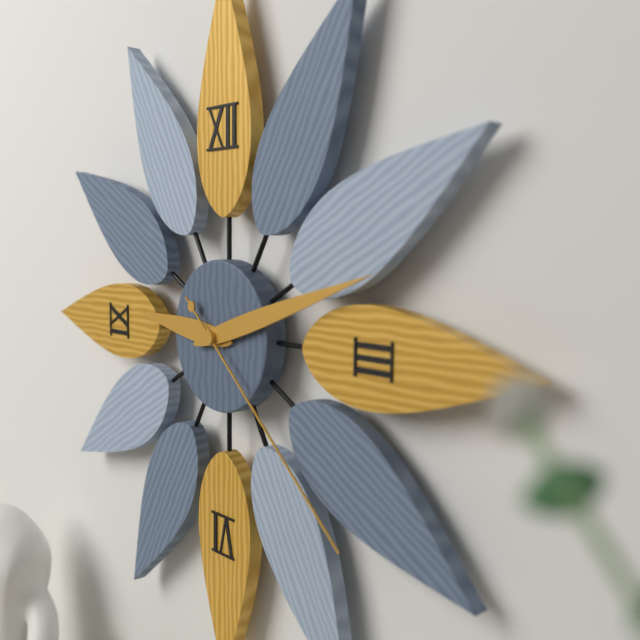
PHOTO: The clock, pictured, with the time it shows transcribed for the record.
9:12:22
